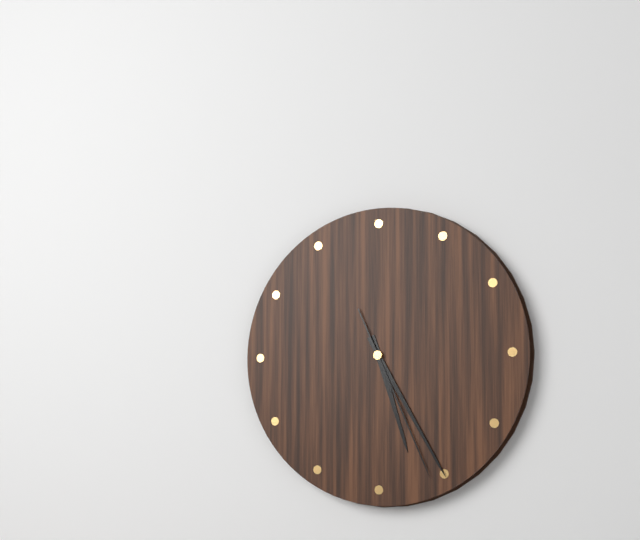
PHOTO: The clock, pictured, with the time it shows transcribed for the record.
5:25:26
